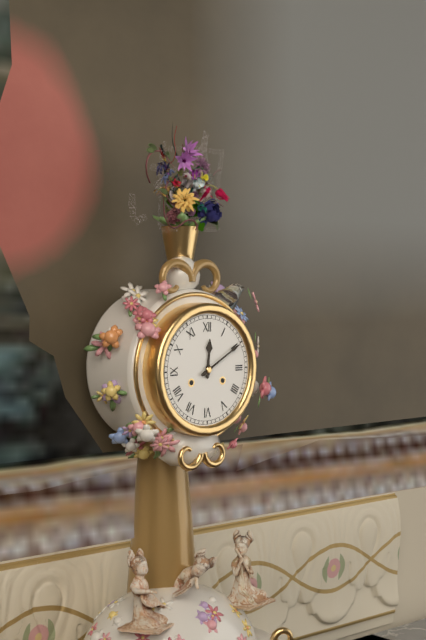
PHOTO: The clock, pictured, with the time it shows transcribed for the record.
12:10
